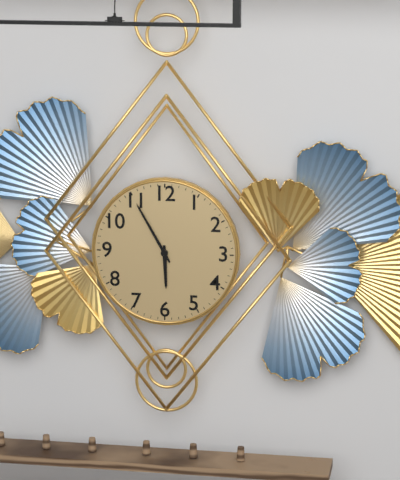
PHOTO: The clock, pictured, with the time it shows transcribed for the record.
5:55
